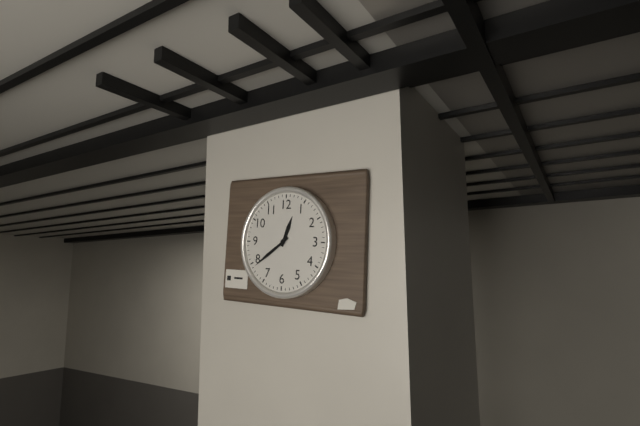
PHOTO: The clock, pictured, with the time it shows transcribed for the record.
12:39
